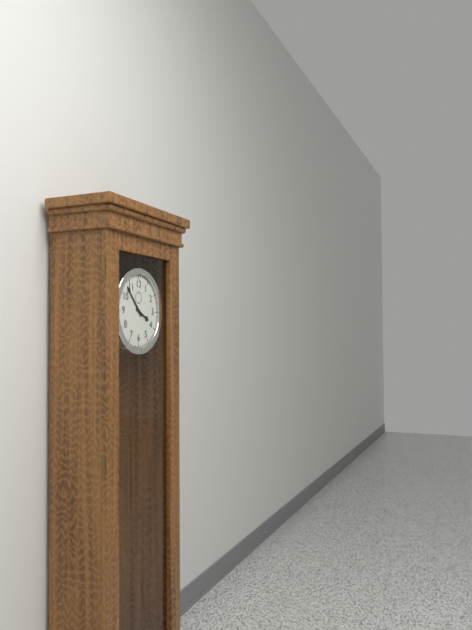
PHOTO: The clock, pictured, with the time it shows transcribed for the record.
3:53
